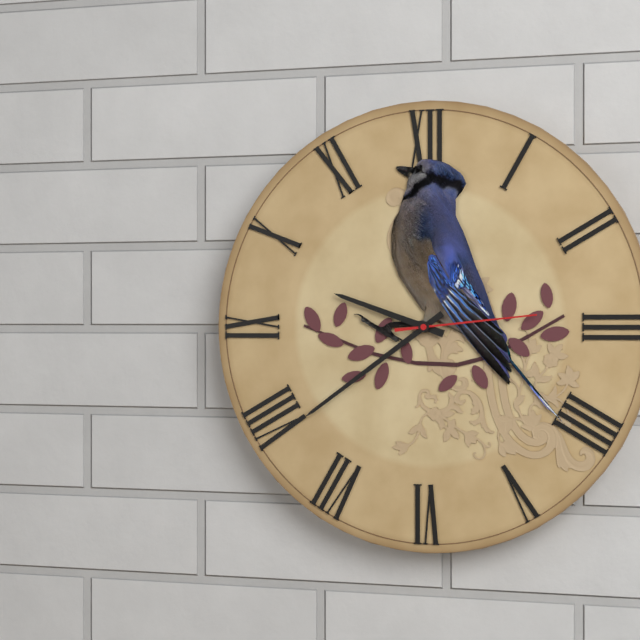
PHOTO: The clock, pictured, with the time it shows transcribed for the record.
9:39:14
